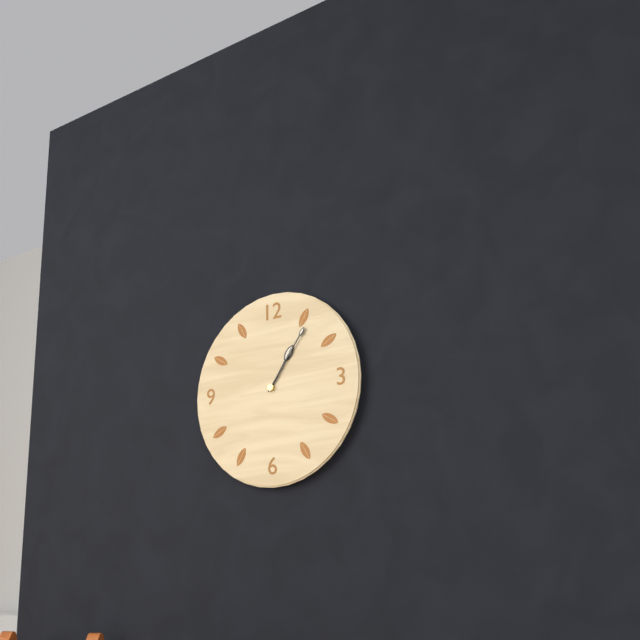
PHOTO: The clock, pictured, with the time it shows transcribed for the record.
1:06
